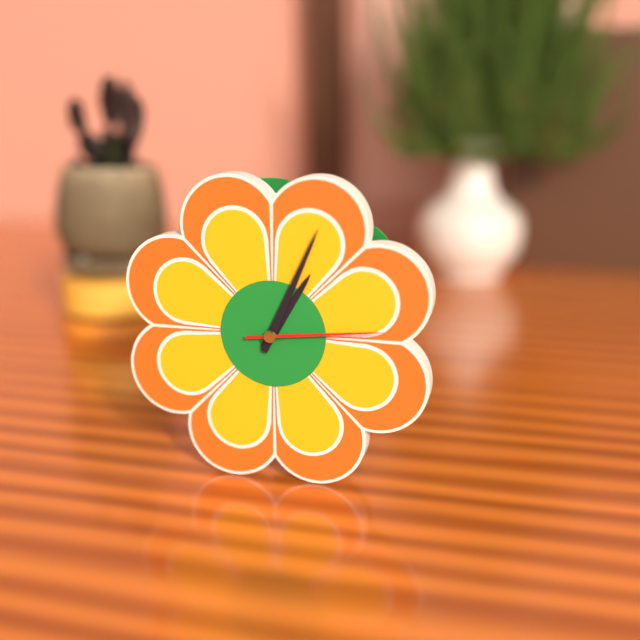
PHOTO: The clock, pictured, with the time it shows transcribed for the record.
1:04:14
